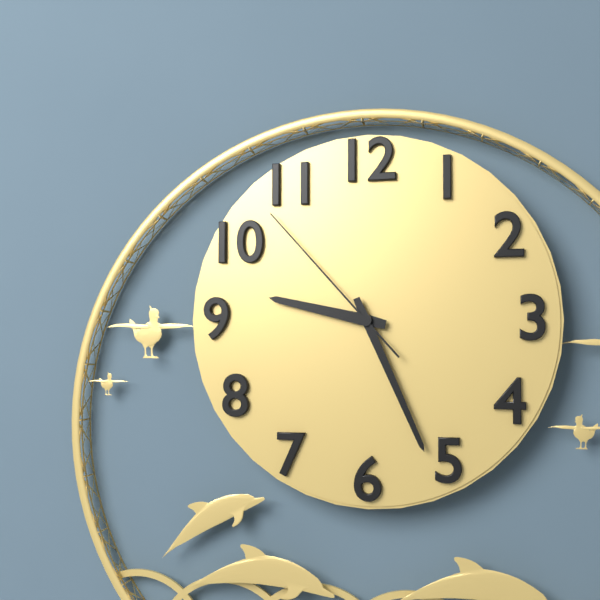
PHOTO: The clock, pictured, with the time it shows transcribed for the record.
9:26:53
